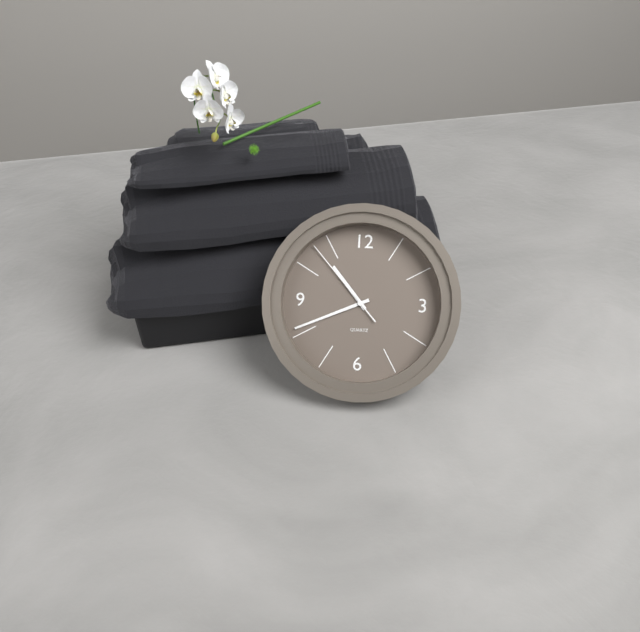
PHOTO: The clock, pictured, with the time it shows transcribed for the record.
10:41:53
